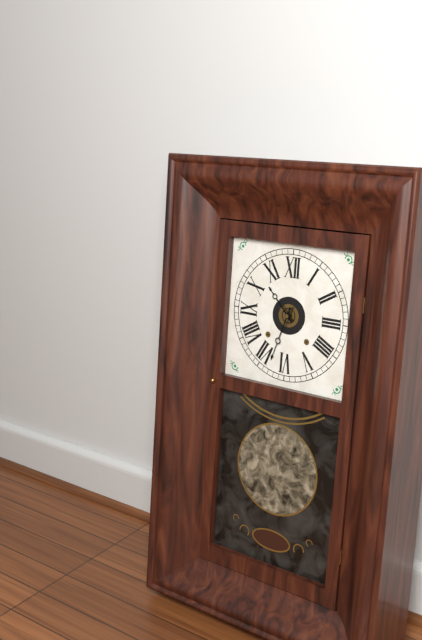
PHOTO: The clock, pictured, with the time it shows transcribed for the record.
10:33
